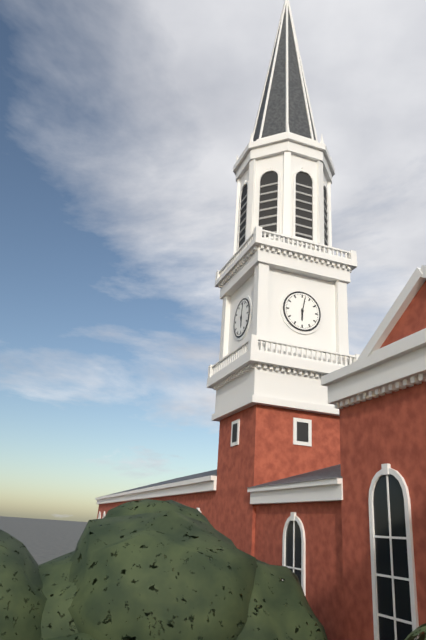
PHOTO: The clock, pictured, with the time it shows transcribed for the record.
6:02
